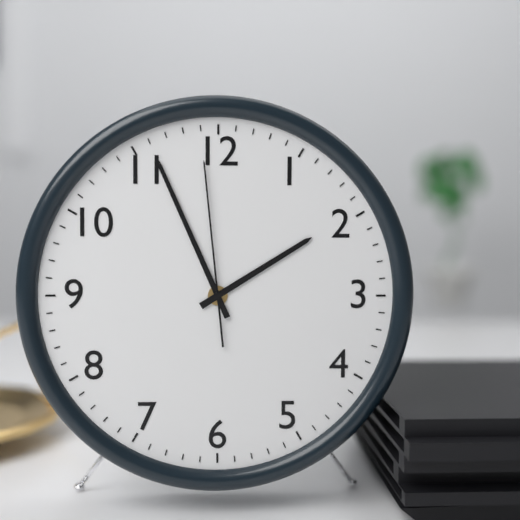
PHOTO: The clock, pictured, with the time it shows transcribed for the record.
1:56:59
